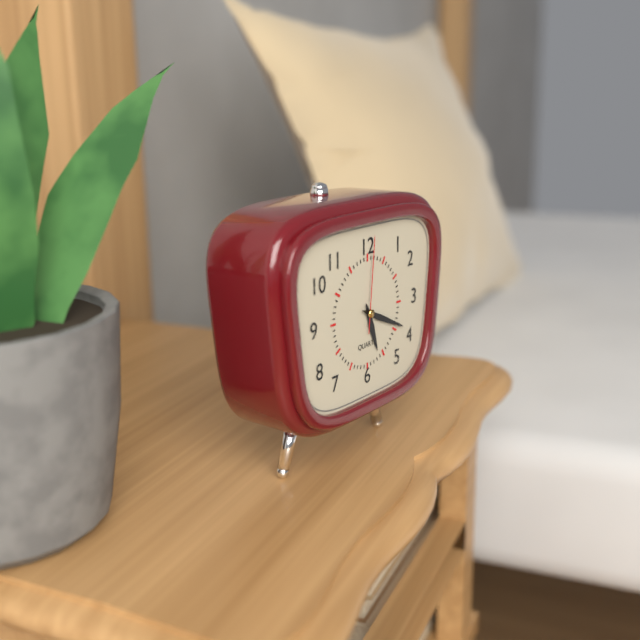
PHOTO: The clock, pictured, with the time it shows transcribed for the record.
5:19:01
